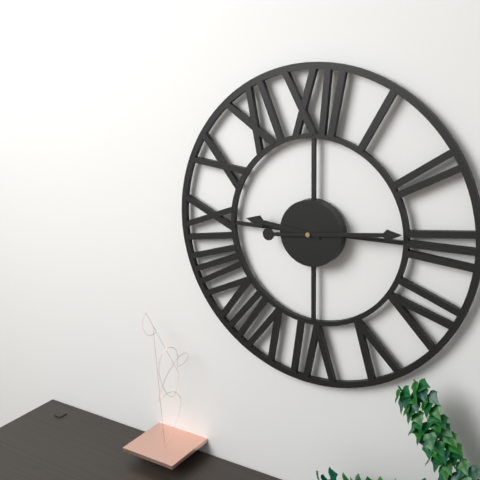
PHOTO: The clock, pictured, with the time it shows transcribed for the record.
9:14
